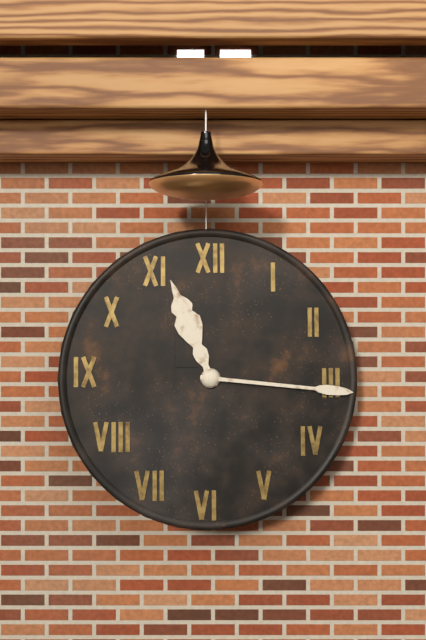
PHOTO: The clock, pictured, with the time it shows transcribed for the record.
11:16
